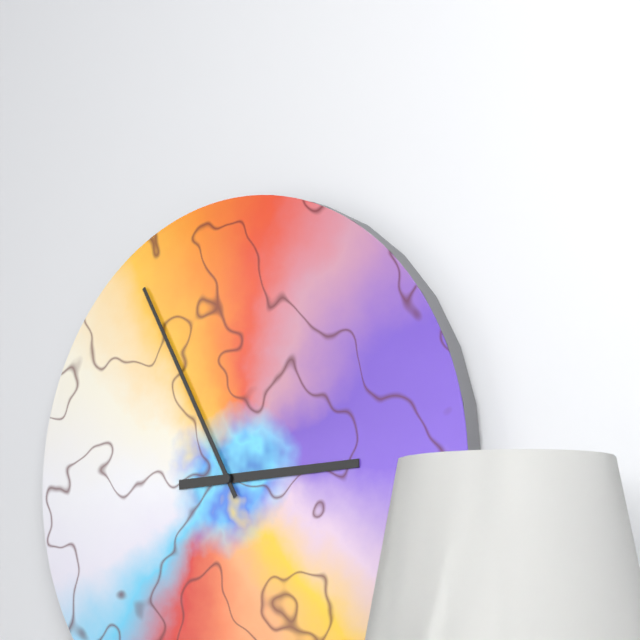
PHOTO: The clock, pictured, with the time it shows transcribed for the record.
2:55
